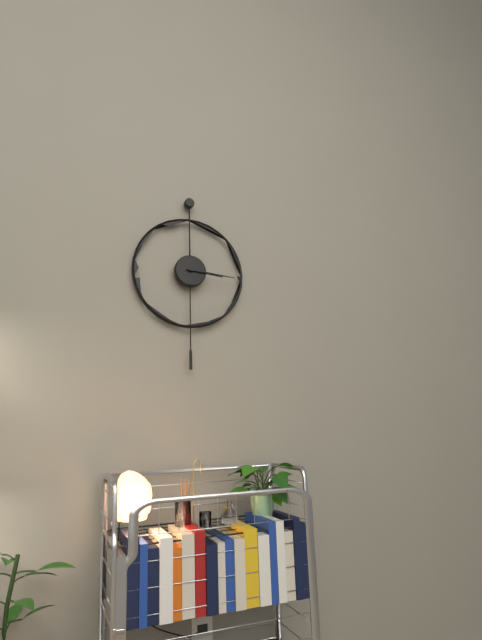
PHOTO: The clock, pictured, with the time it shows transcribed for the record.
3:16
